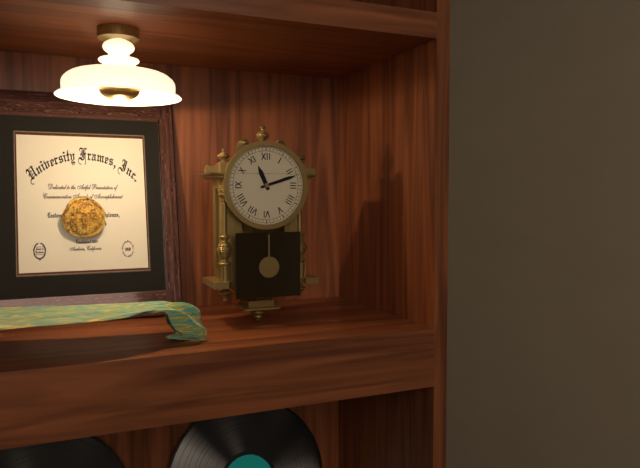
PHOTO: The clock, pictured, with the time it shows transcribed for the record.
11:12
